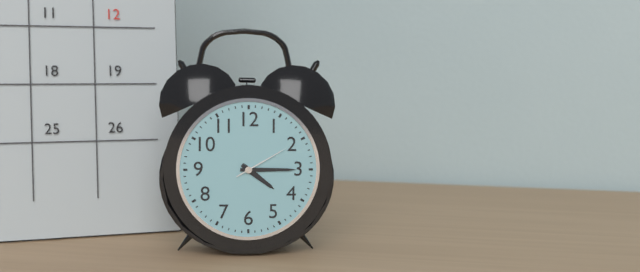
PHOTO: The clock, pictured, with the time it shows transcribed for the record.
4:15:10
